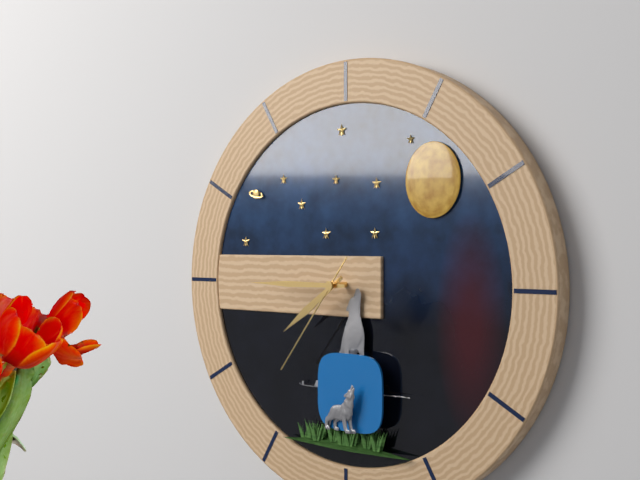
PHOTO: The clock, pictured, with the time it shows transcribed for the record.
7:45:36
